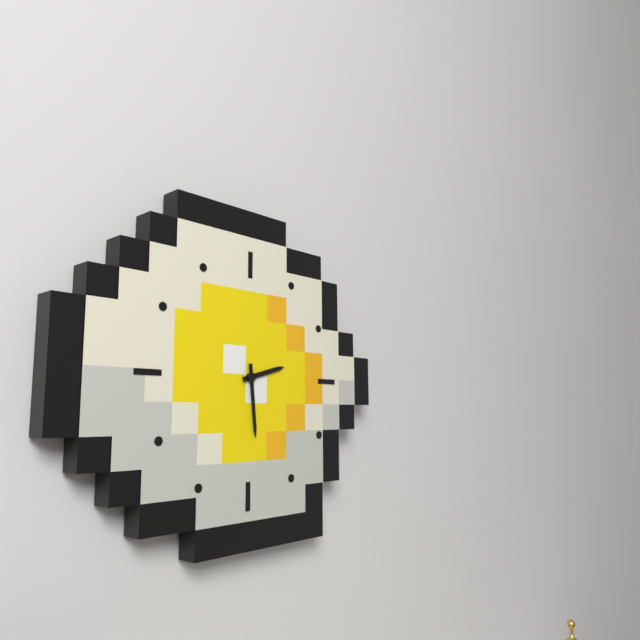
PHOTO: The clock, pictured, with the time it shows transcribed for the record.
2:29
